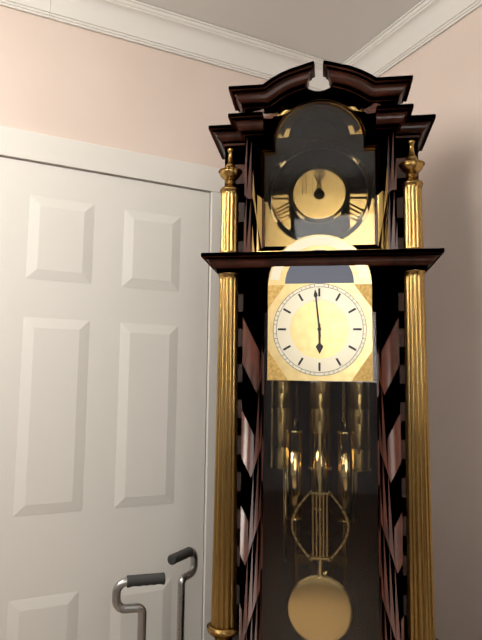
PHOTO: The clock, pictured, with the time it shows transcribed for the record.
5:59
